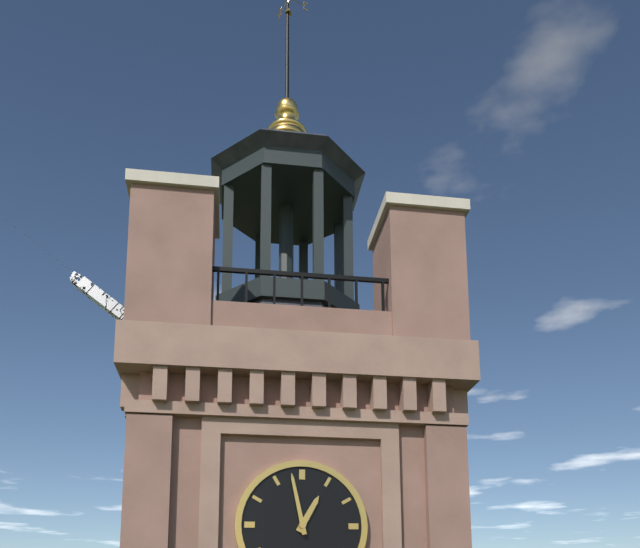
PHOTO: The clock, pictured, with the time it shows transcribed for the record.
12:58
